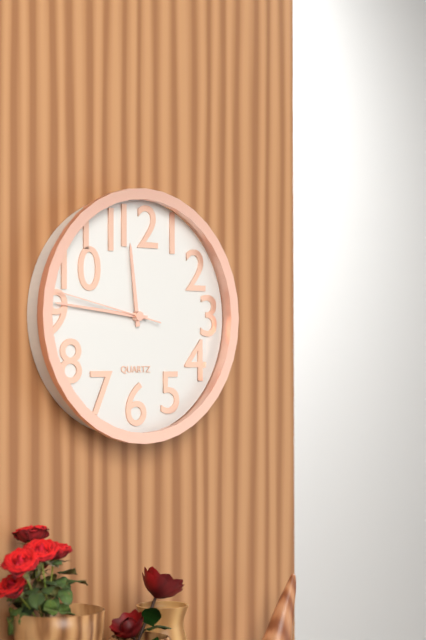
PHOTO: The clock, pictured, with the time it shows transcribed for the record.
11:46:47
